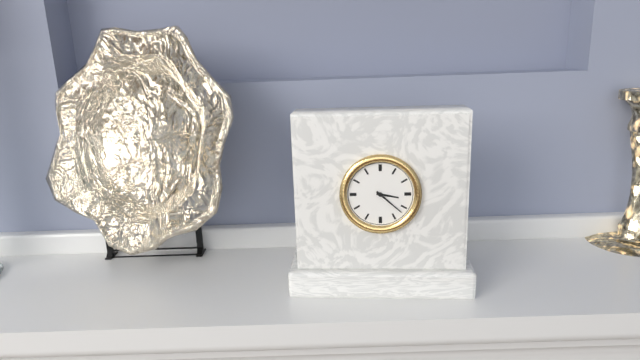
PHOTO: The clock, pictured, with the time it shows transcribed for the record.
3:22
